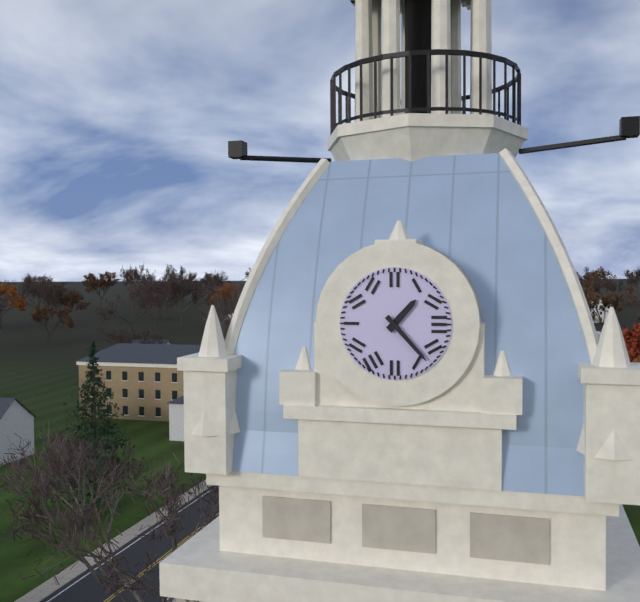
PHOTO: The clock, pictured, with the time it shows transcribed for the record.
1:23
